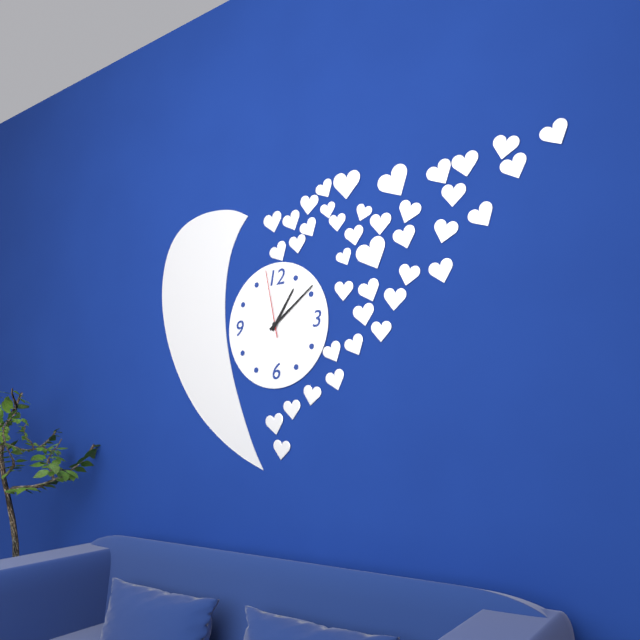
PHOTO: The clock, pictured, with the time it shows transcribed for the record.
1:09:58
